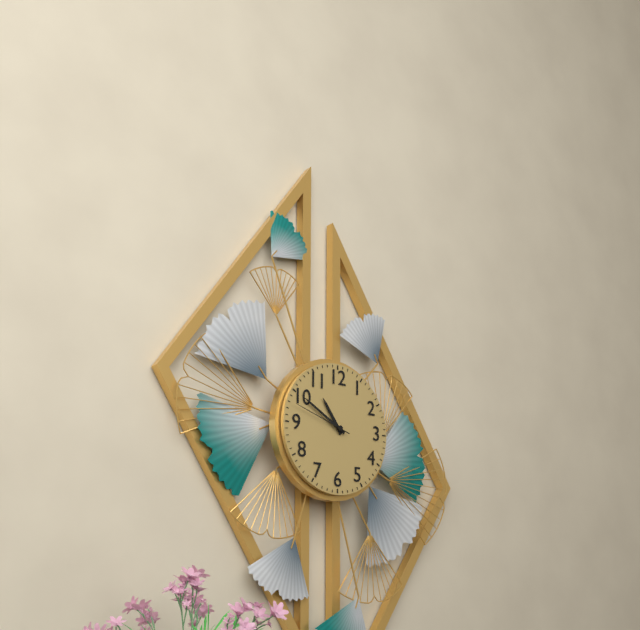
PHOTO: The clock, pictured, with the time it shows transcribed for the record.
10:50:48
